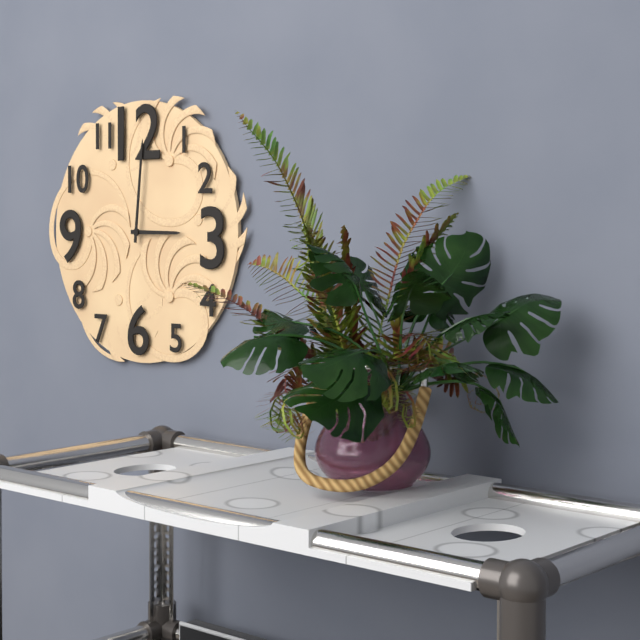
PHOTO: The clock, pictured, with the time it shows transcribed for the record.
3:01
